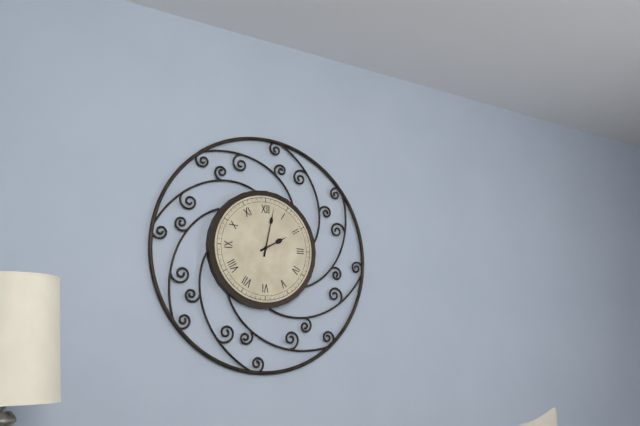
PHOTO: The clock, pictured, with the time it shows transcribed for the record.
2:02
